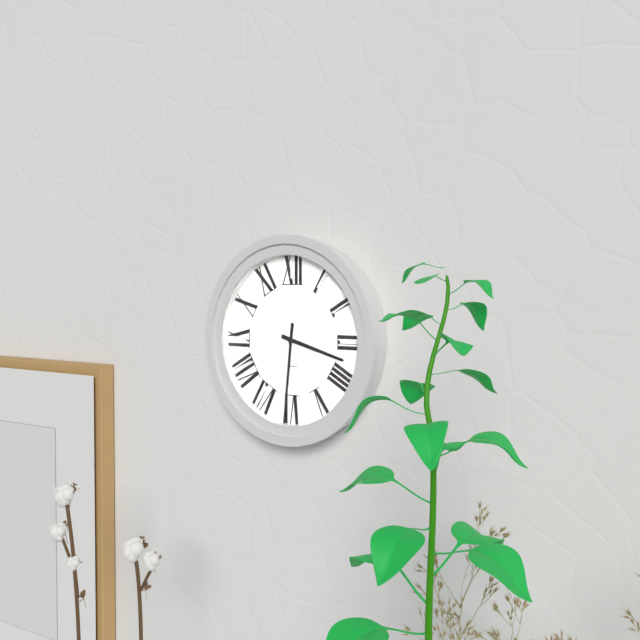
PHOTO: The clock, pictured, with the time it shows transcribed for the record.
3:31
